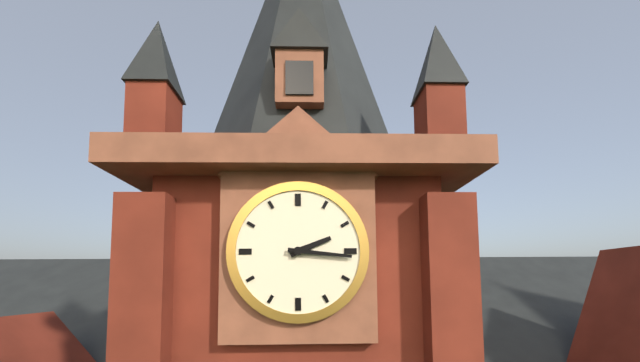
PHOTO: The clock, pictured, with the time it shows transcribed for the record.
2:16
